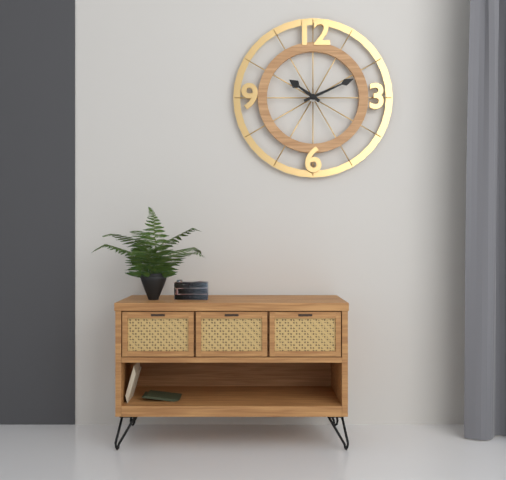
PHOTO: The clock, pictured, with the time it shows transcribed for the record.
10:11
